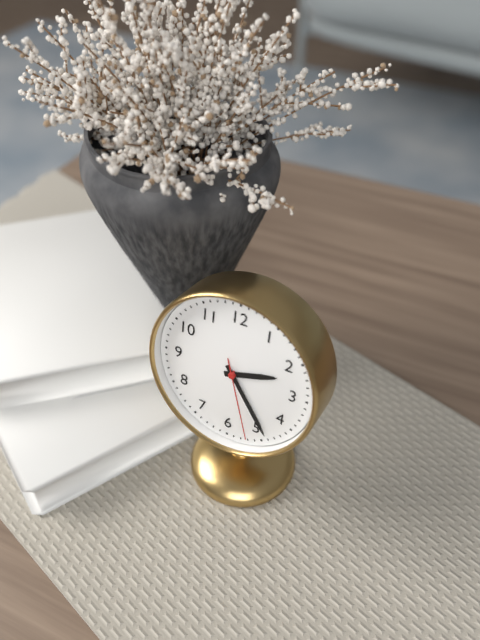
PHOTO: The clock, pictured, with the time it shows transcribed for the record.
2:24:27
